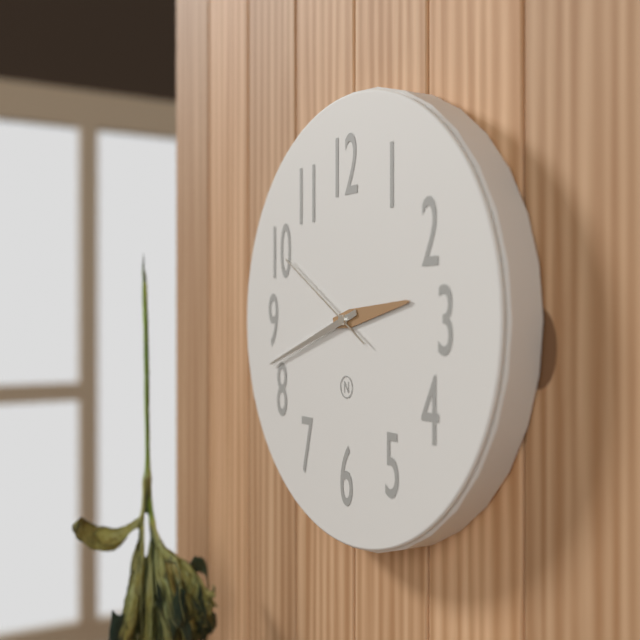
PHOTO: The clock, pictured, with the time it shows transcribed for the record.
2:42:50
